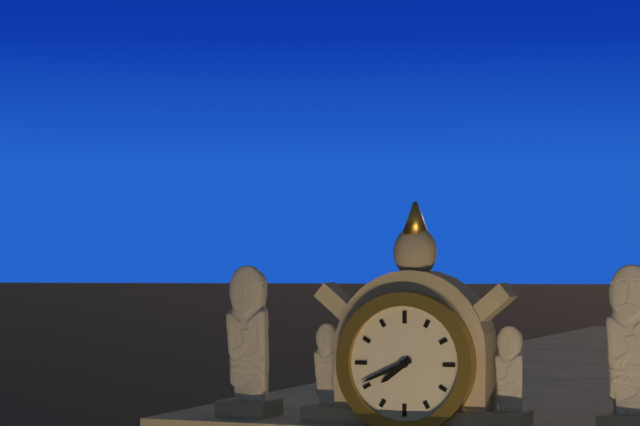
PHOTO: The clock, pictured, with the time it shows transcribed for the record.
7:41
